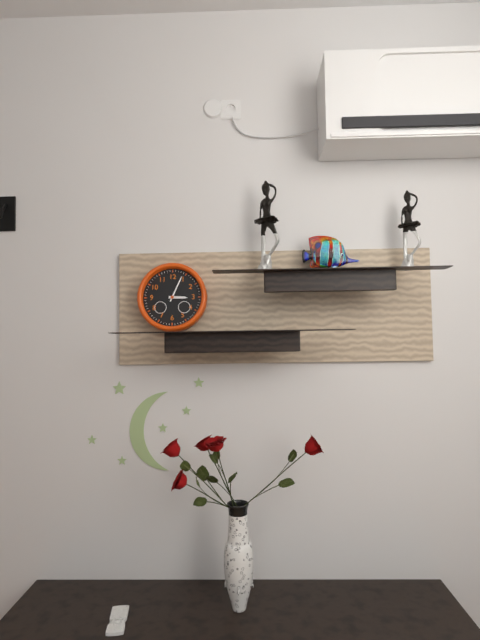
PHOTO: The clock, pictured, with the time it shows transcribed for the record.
3:04
